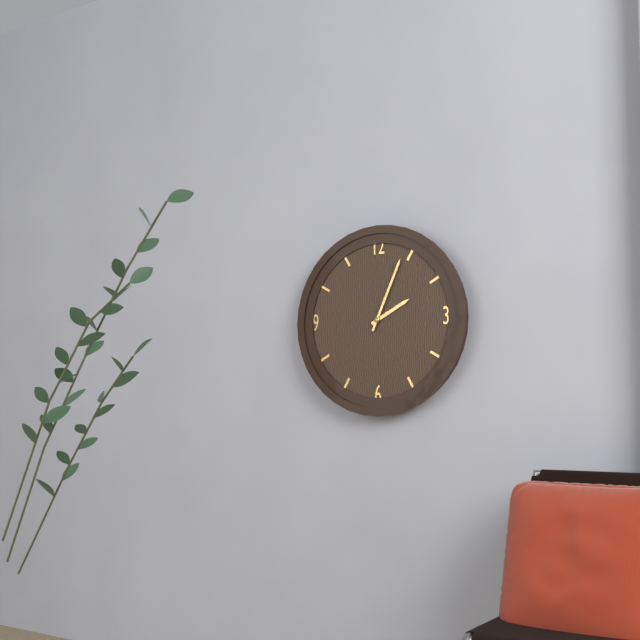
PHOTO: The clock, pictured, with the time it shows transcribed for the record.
2:04
